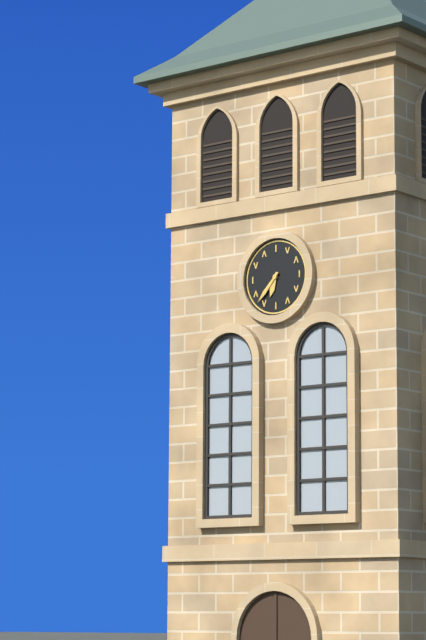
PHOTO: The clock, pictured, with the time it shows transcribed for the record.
6:37
